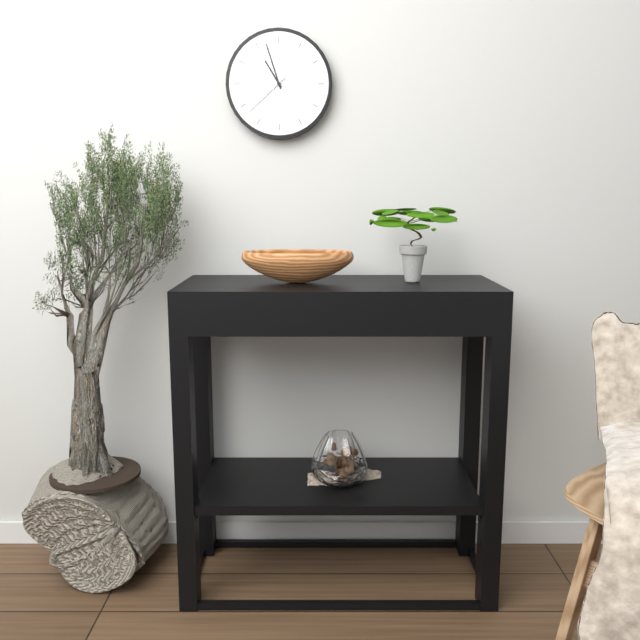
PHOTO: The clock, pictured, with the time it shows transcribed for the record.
10:57:38
